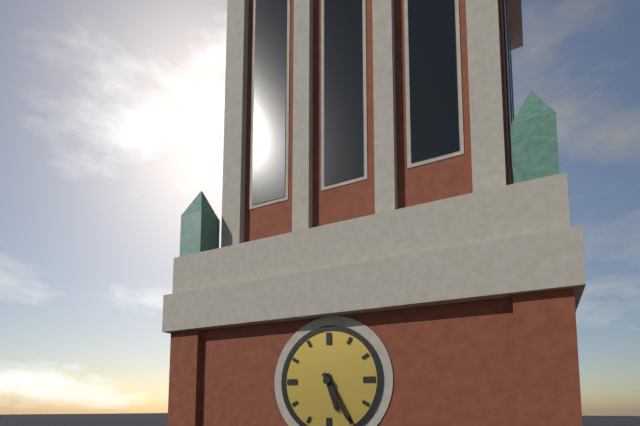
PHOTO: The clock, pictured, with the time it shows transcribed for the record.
5:25
